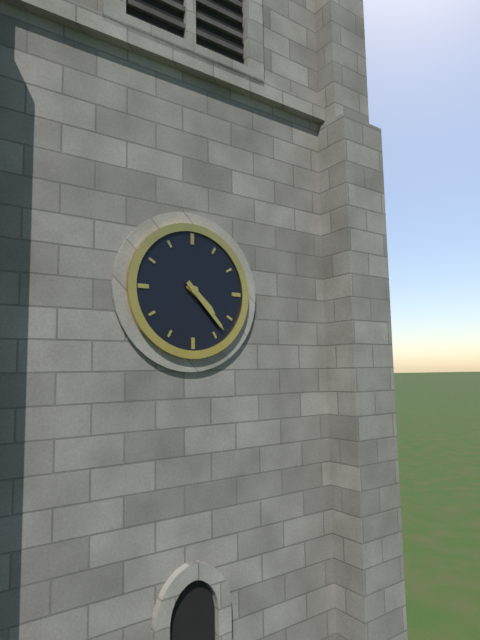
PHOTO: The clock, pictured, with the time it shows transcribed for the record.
4:23
